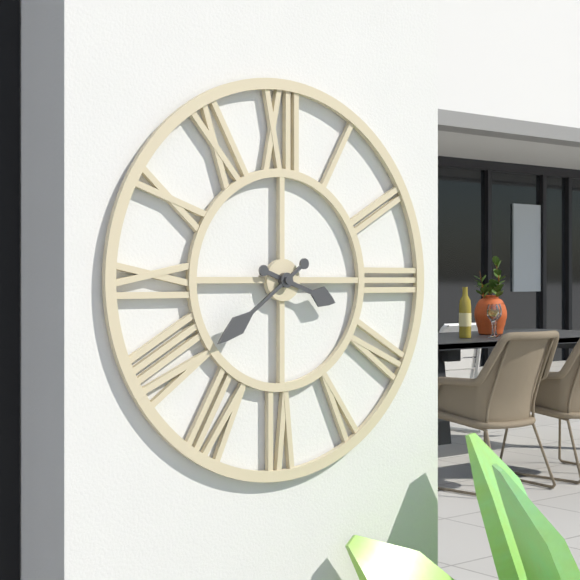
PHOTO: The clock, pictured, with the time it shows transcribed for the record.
3:39
